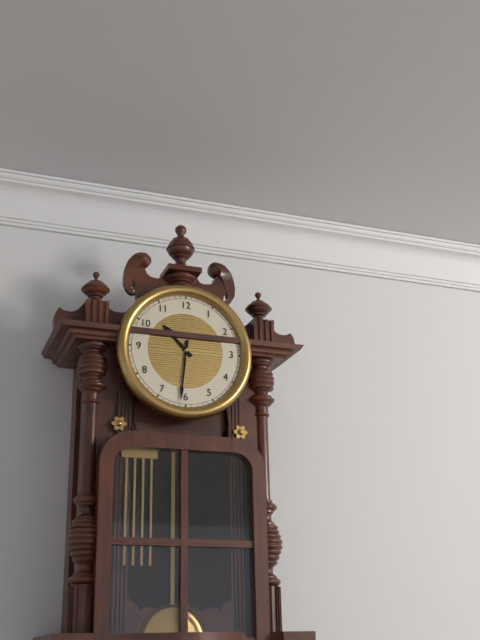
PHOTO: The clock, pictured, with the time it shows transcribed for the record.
10:31
